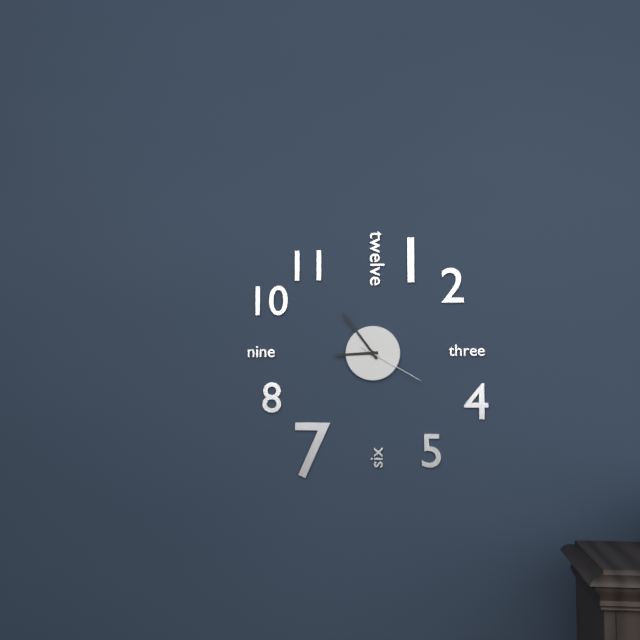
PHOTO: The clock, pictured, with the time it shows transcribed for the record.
8:54:20
